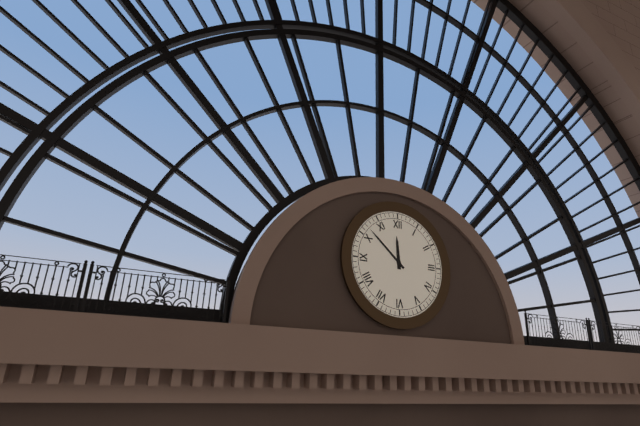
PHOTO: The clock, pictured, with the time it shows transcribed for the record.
11:52
